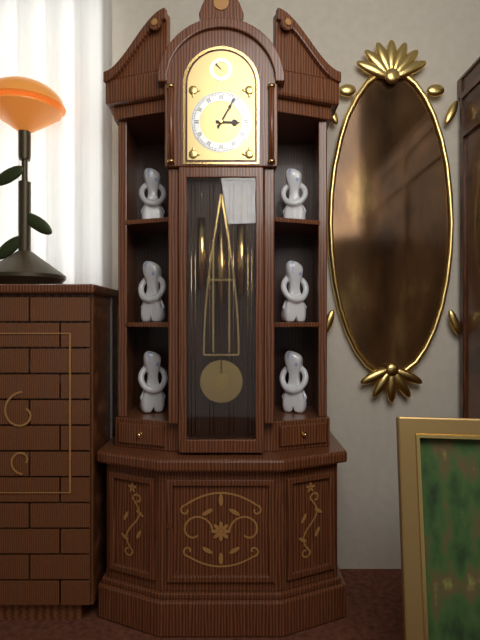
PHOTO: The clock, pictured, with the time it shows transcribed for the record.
3:05
